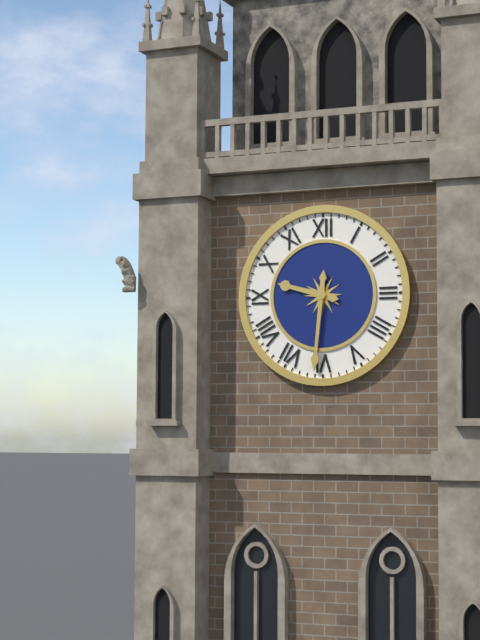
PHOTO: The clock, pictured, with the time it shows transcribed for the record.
9:31
